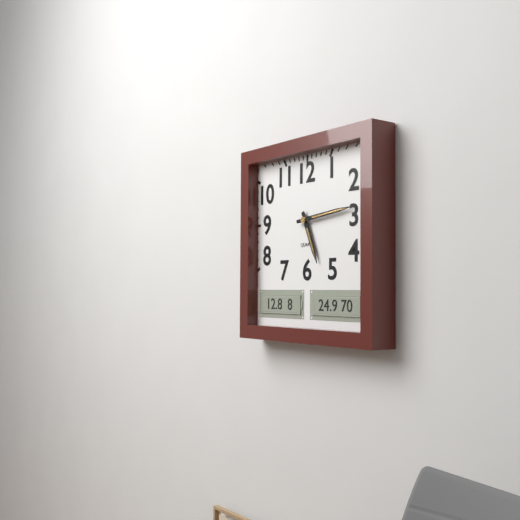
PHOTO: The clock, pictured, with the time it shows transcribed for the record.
5:14
